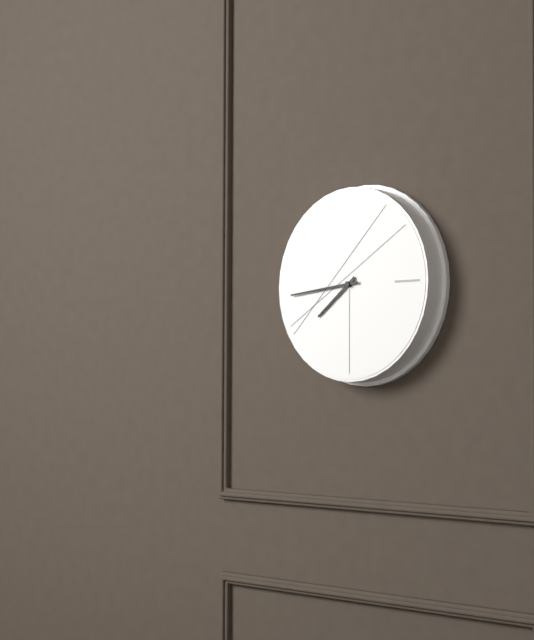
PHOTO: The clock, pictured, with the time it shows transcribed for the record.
7:44
